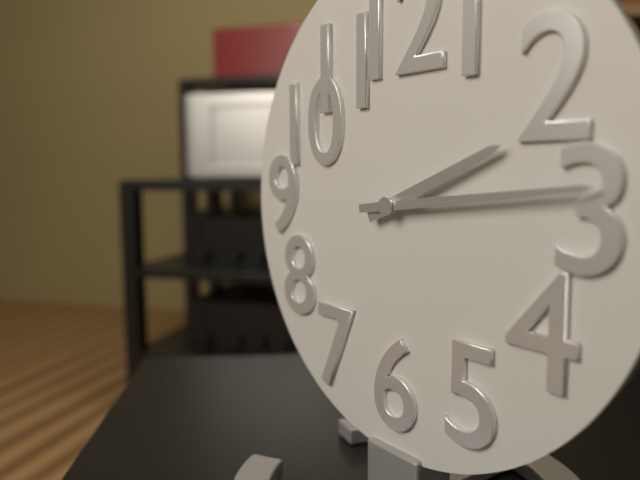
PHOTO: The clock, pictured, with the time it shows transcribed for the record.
2:14
